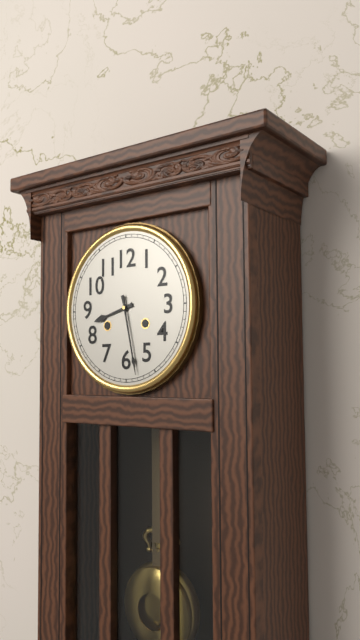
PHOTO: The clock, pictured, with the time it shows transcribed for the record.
8:28
